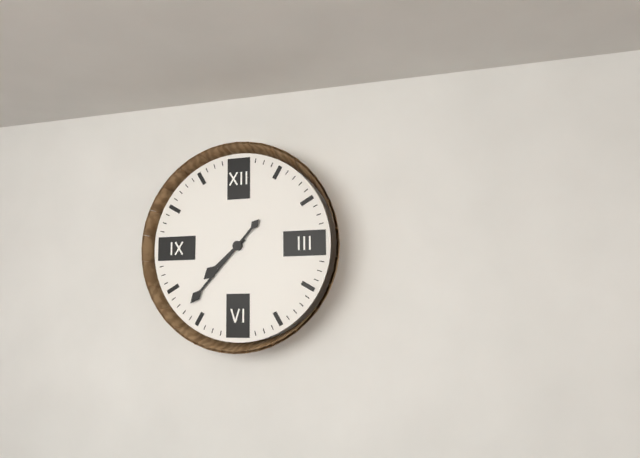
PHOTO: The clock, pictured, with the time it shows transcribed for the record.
7:37
